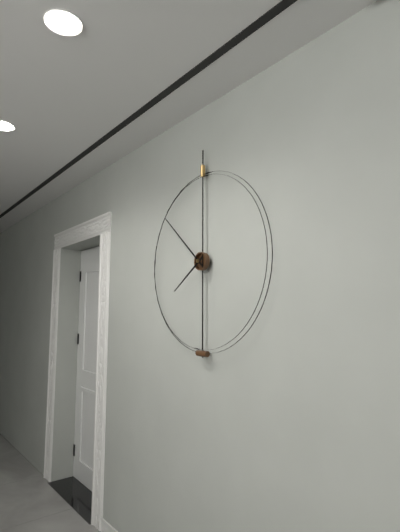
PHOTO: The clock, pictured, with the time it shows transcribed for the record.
7:52
